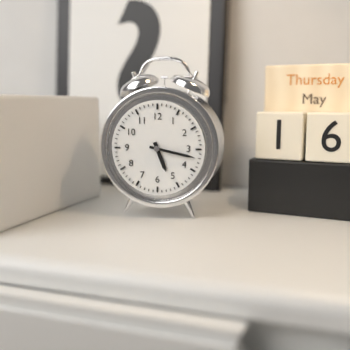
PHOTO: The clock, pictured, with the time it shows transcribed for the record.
5:17
